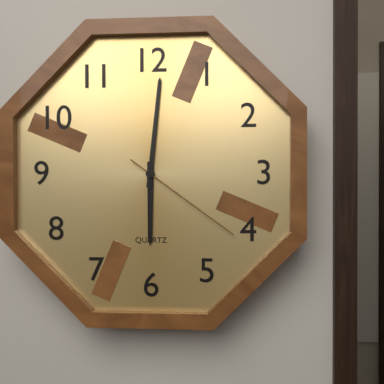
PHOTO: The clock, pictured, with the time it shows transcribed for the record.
6:01:21
